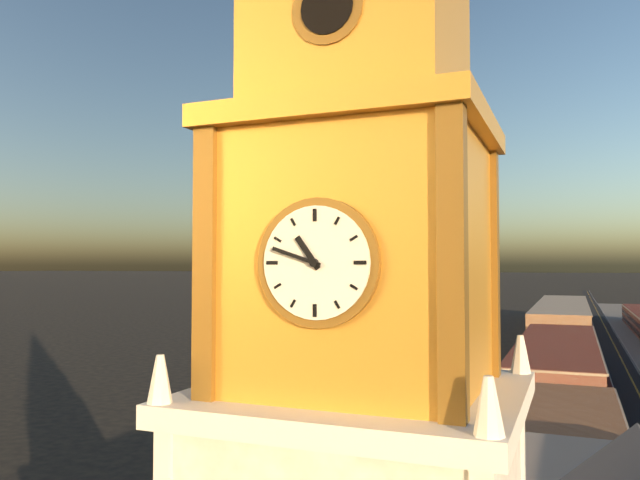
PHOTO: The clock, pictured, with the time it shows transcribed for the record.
10:48
